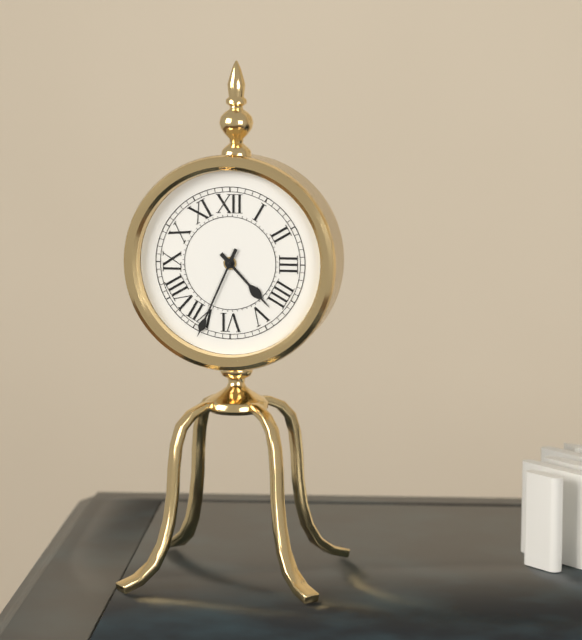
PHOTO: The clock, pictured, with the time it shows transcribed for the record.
4:34
